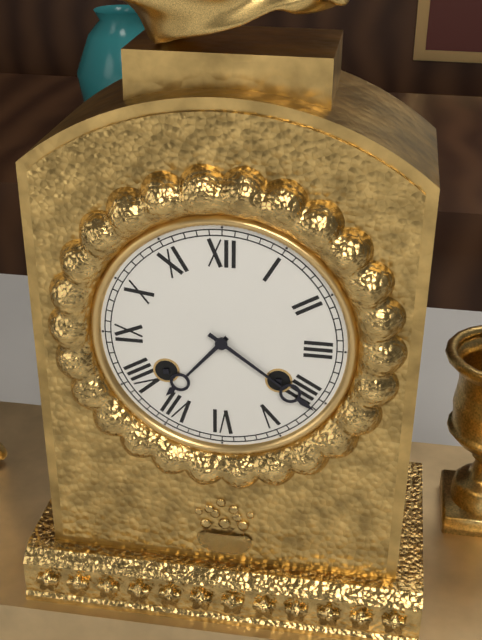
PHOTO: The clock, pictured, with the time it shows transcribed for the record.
7:21
